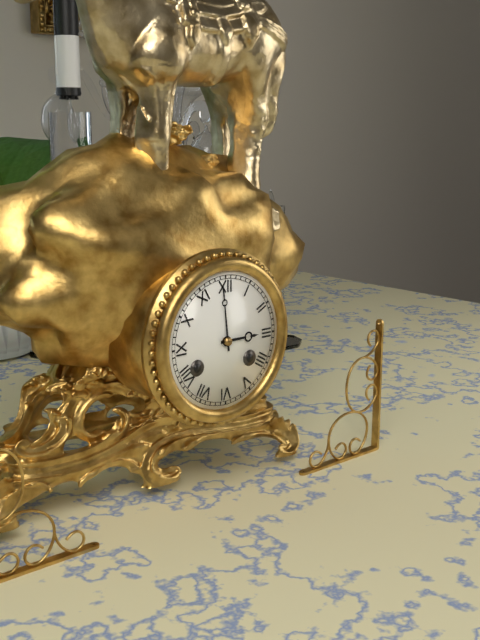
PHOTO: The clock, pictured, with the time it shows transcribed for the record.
2:59
